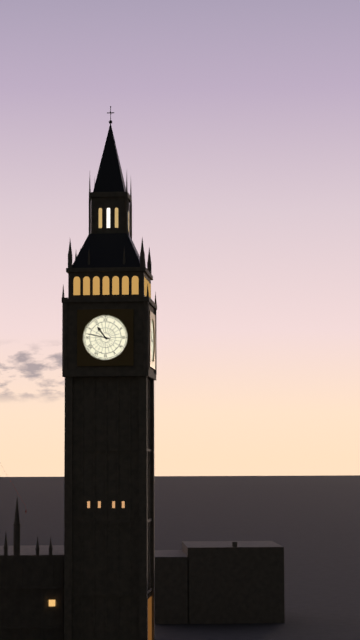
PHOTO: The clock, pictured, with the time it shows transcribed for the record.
10:47
